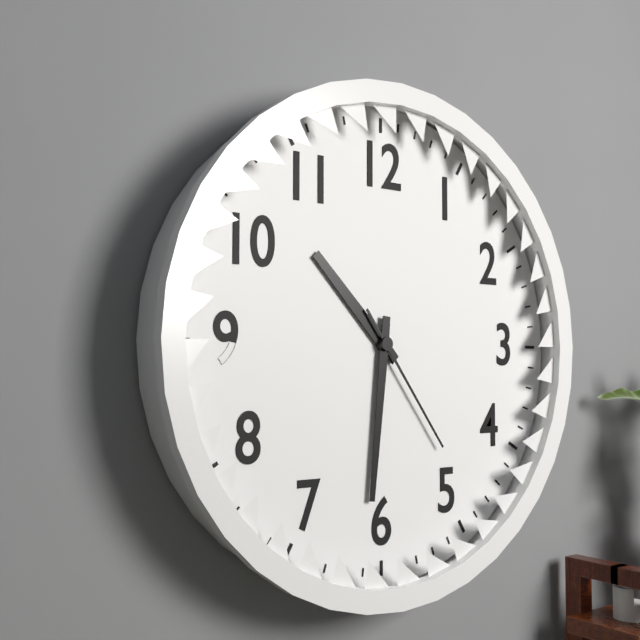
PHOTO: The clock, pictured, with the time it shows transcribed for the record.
10:31:24
